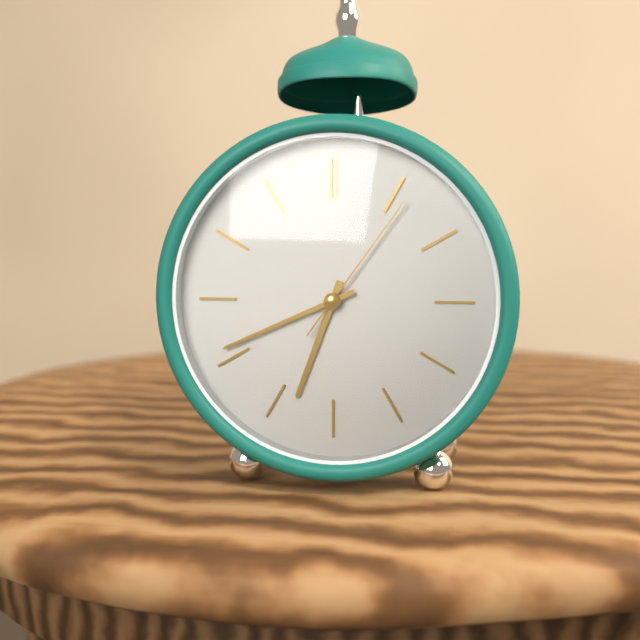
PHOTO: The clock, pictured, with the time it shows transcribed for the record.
6:41:06
